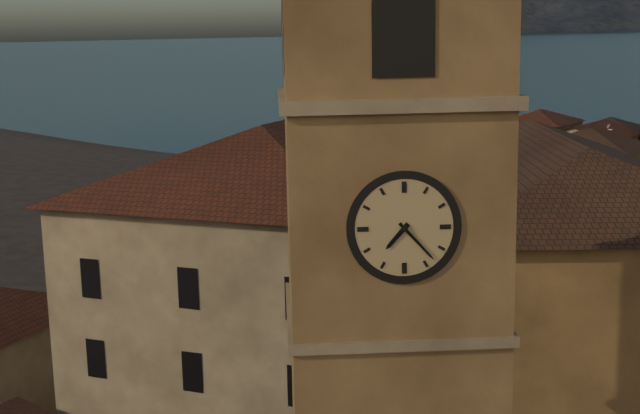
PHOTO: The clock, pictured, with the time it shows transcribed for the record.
7:23
